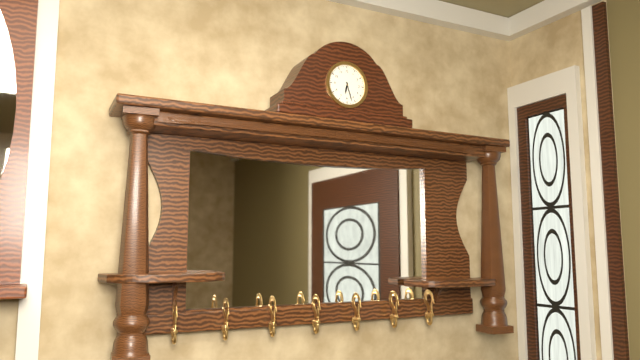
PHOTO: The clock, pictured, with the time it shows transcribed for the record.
6:27
